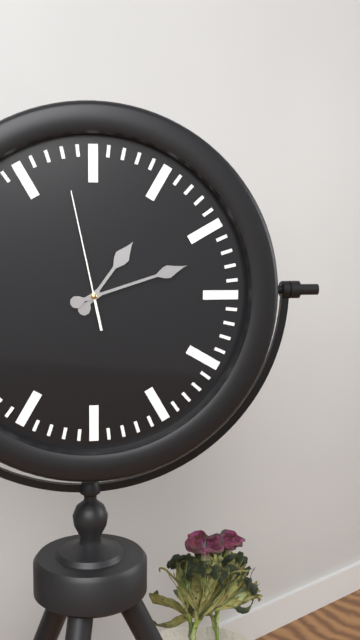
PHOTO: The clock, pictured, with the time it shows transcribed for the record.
1:12:58
